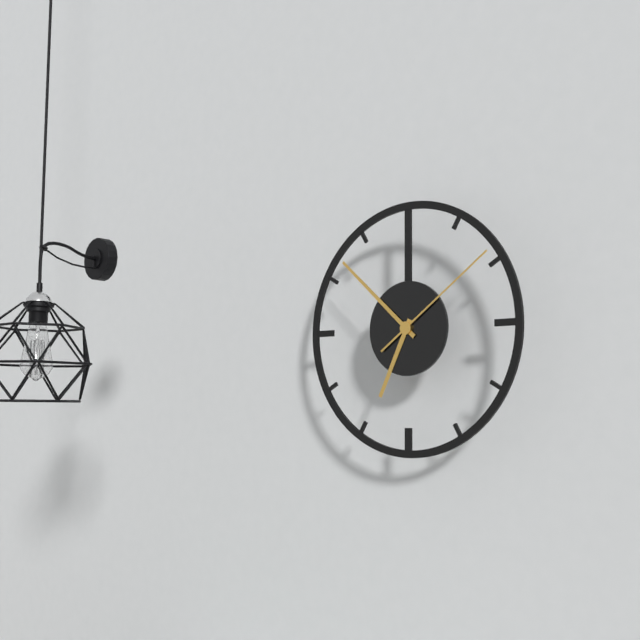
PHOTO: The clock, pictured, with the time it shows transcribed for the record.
6:52:09
